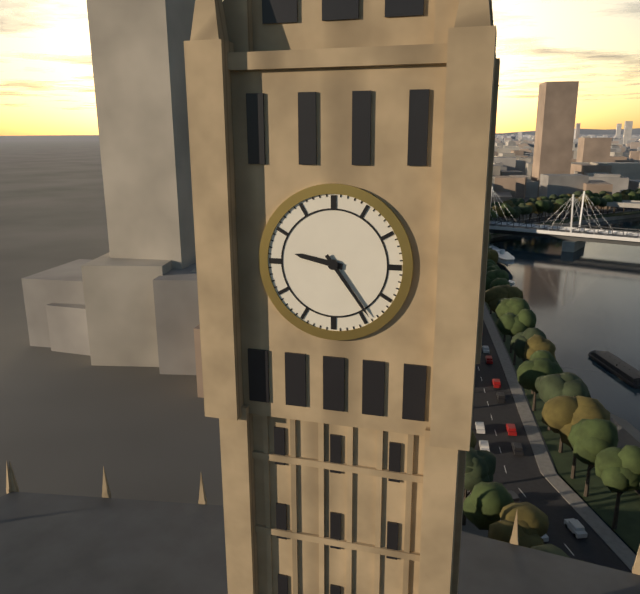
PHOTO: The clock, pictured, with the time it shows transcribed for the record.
9:24
